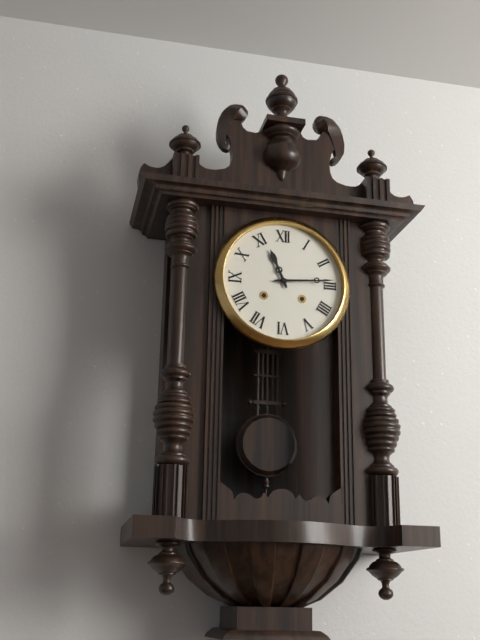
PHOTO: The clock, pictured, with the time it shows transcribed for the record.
11:14
